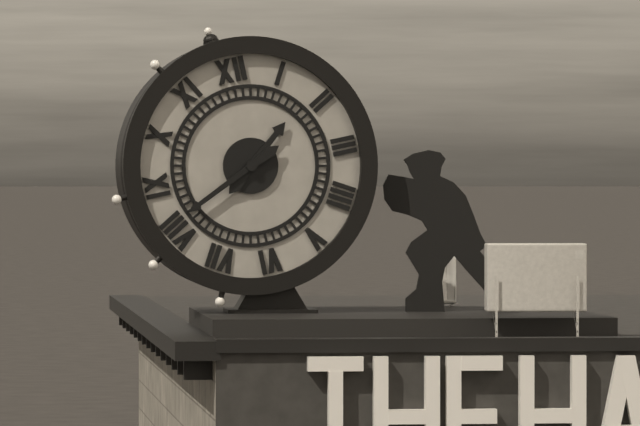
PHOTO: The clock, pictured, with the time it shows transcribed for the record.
1:41
